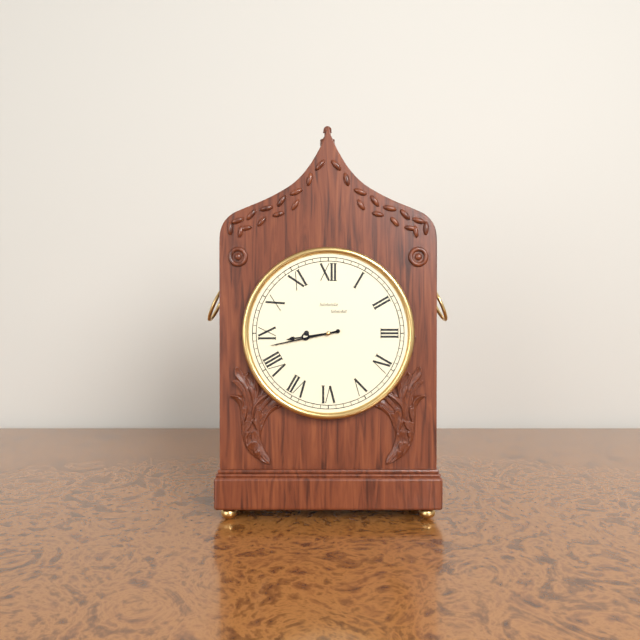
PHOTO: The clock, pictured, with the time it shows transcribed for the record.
8:43
